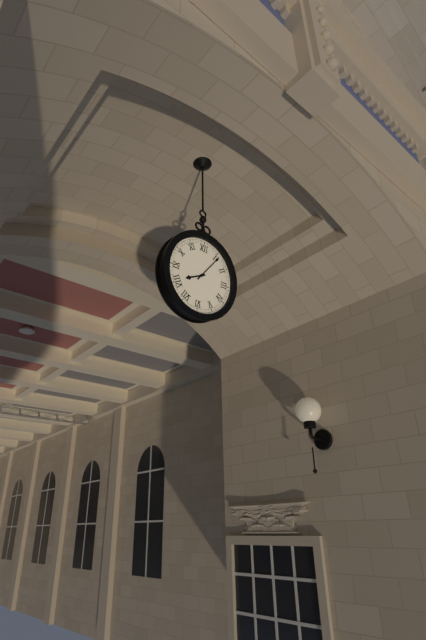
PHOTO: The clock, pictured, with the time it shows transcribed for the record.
8:06
